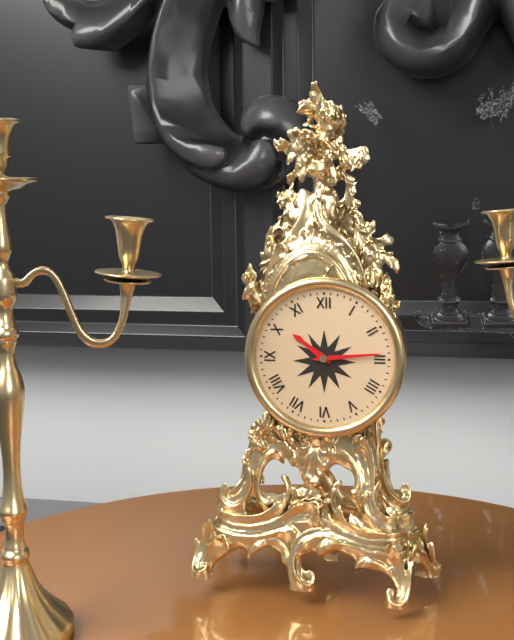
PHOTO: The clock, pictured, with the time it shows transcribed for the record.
10:14
